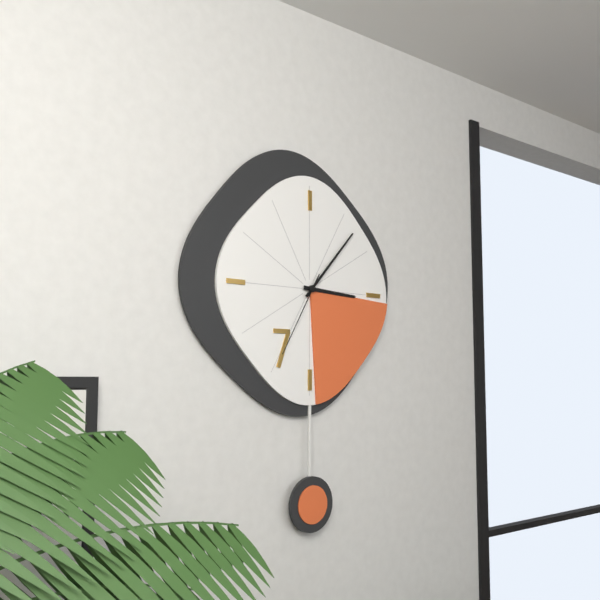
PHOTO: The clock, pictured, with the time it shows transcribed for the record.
3:07:35
